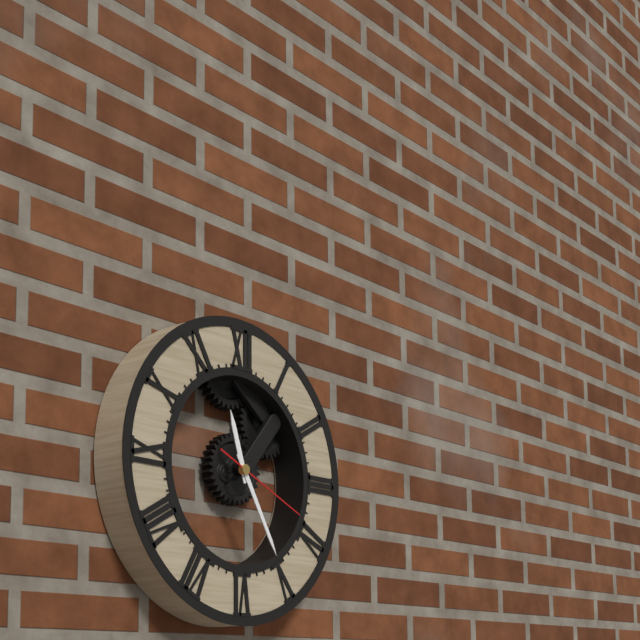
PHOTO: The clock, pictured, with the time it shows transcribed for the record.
11:25:19
